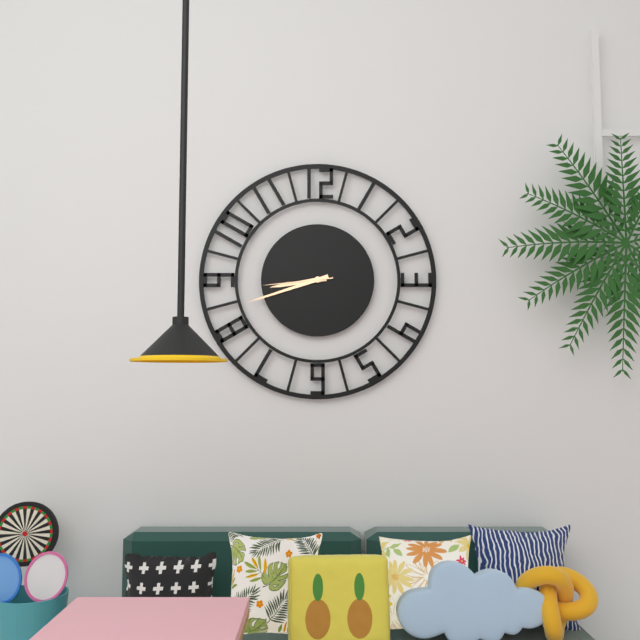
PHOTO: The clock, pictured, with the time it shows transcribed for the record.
8:42:44
